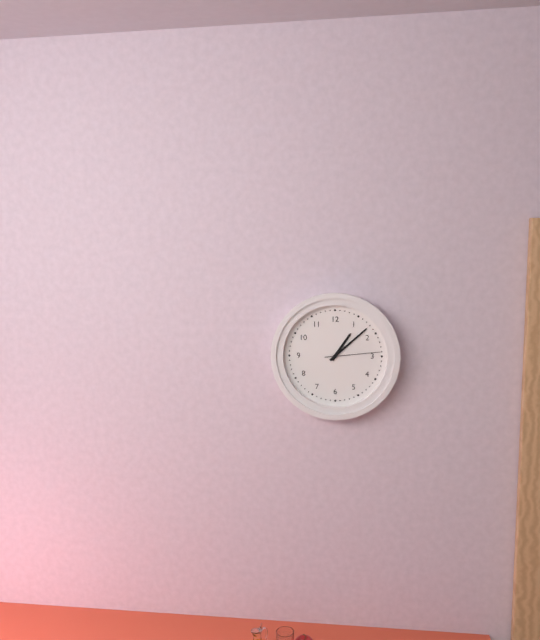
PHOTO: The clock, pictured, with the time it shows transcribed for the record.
1:08:14
